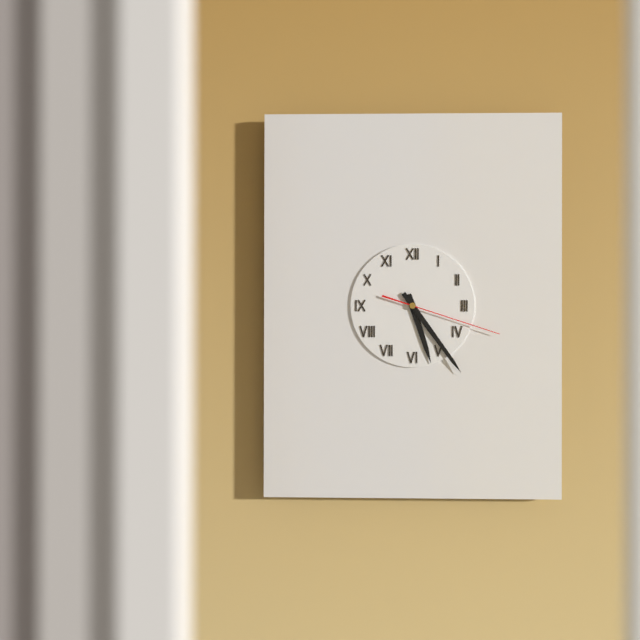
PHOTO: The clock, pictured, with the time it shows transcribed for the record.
5:24:18
